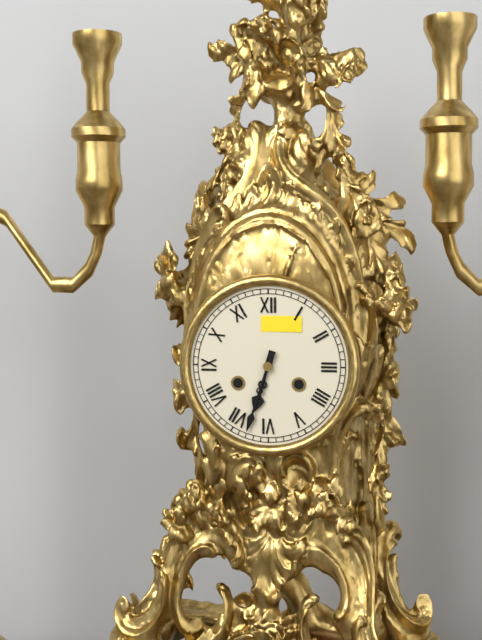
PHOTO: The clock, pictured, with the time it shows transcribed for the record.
6:33
